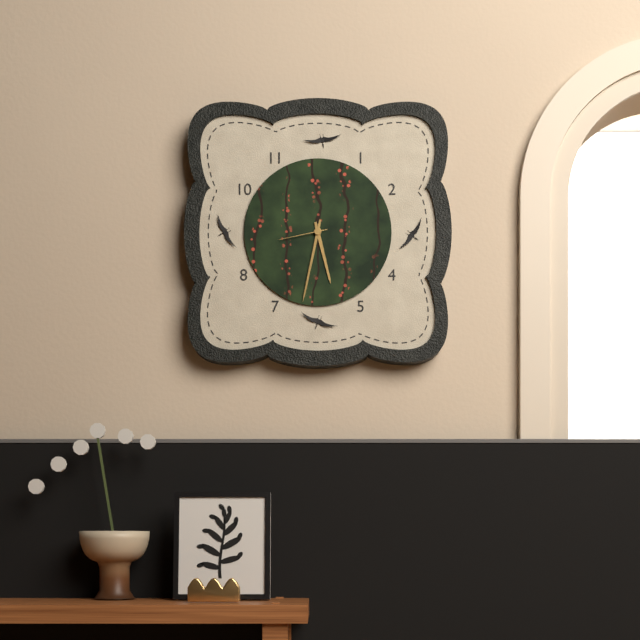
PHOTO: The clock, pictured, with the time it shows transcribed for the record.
5:32:43
